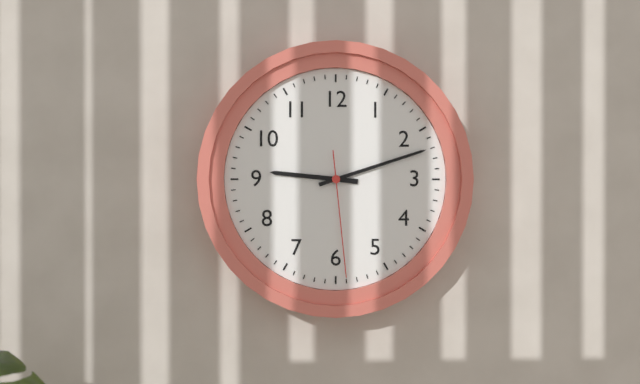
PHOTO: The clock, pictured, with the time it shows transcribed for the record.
9:12:29
